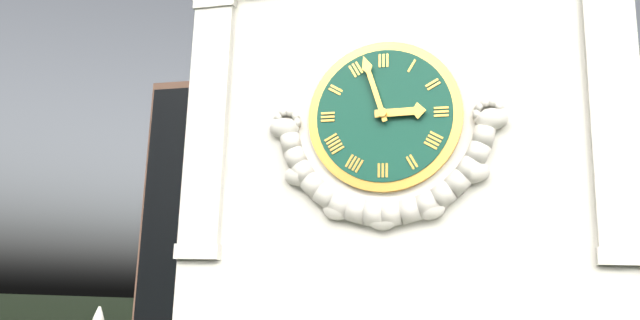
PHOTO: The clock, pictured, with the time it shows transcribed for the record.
2:57
